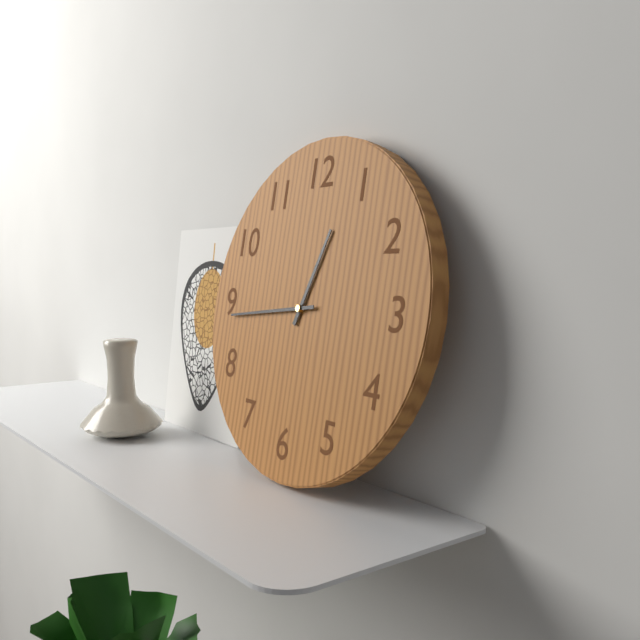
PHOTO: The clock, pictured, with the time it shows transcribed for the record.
12:44
